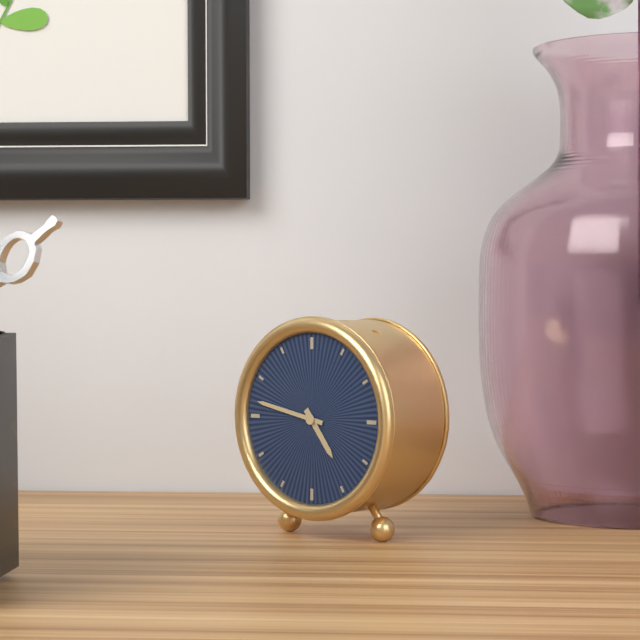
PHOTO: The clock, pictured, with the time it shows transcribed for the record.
4:47
